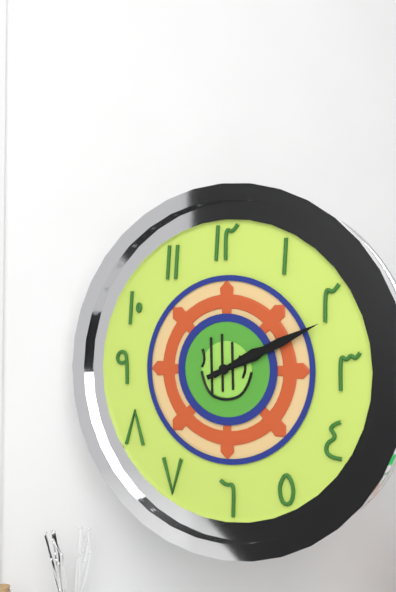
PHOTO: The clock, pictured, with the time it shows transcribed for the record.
2:11
